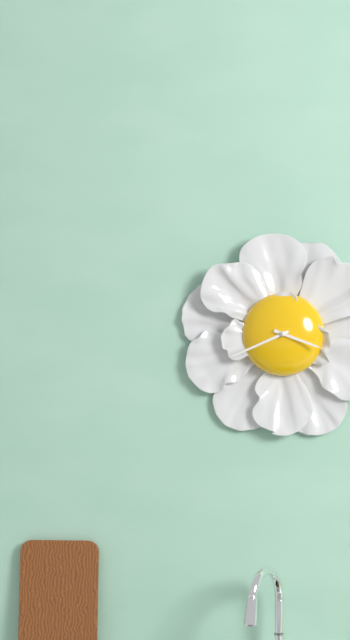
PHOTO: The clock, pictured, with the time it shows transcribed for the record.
3:41
